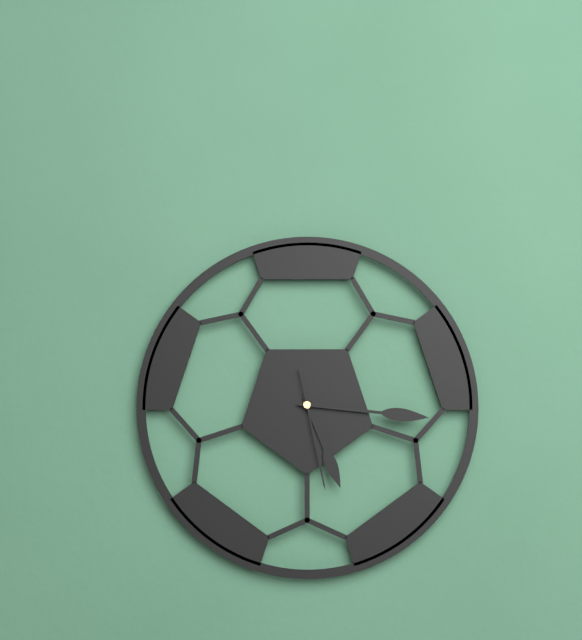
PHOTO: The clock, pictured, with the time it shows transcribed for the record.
5:16:28
